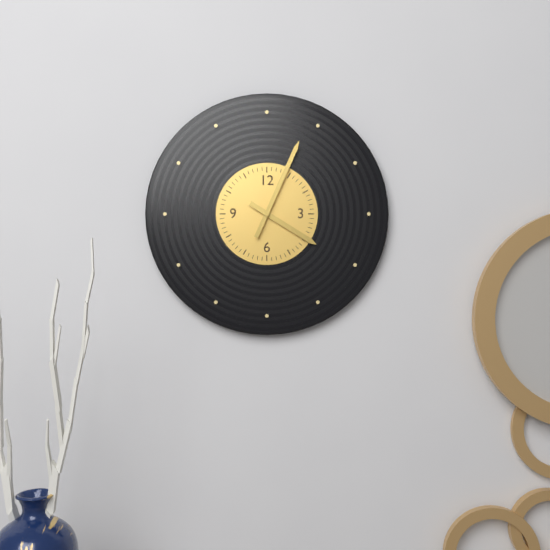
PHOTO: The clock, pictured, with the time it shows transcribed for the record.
4:04
